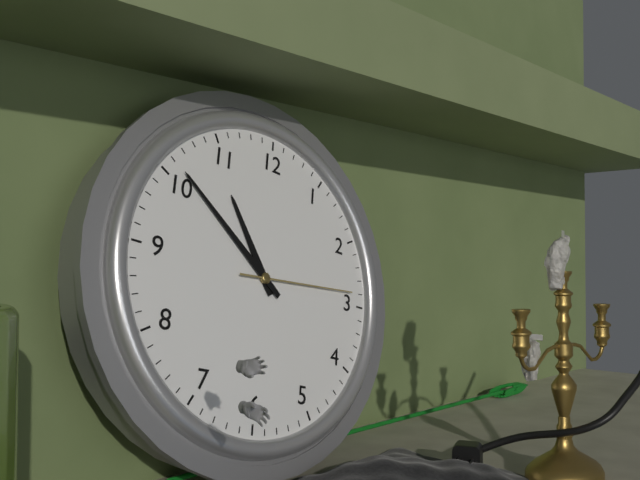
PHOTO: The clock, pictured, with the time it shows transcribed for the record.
10:51:14
